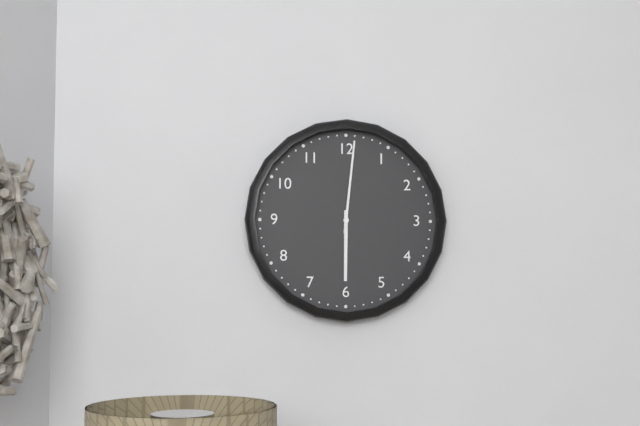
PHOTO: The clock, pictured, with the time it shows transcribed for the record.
6:01
